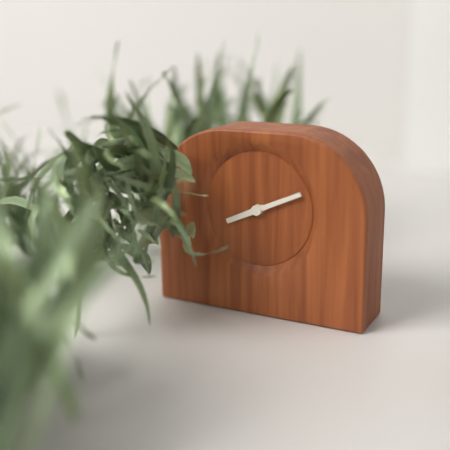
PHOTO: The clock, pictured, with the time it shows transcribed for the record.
8:11
